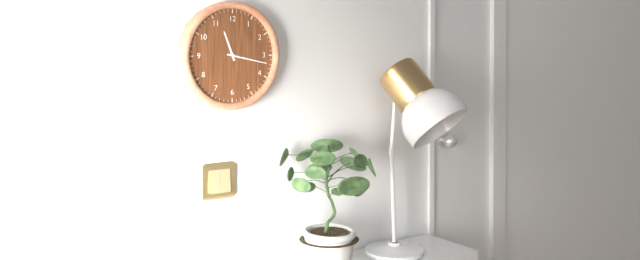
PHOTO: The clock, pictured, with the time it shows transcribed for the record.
11:17
